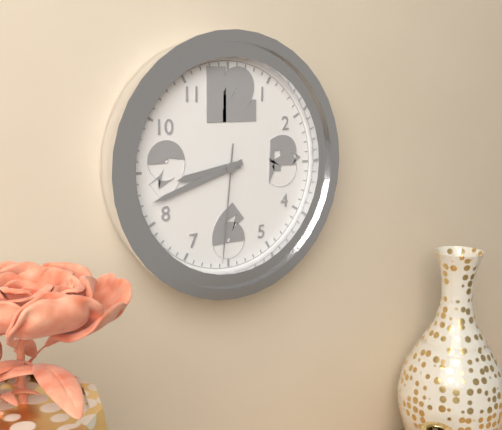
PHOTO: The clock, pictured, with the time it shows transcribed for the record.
8:42:31
